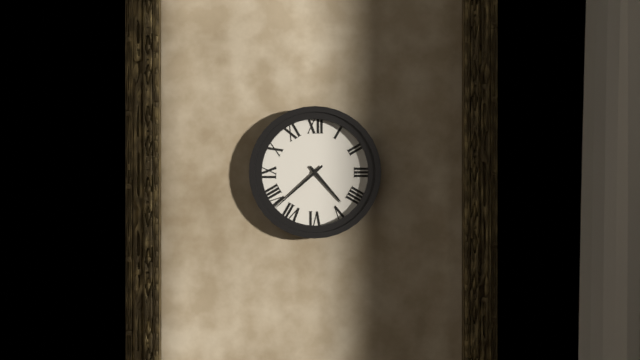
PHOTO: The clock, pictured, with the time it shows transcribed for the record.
4:38
